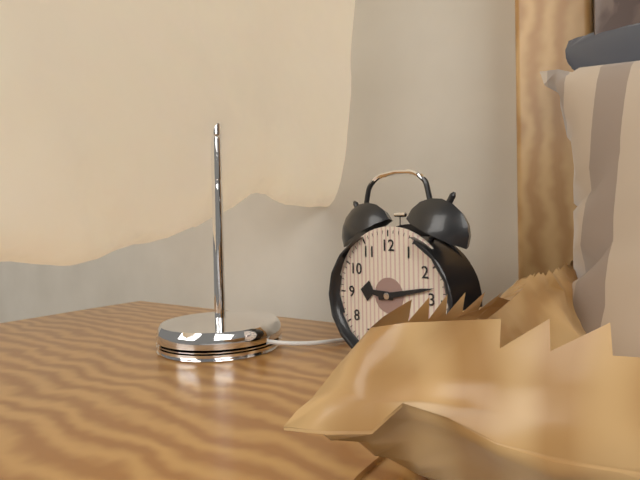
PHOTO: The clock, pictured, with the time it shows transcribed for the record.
9:13
